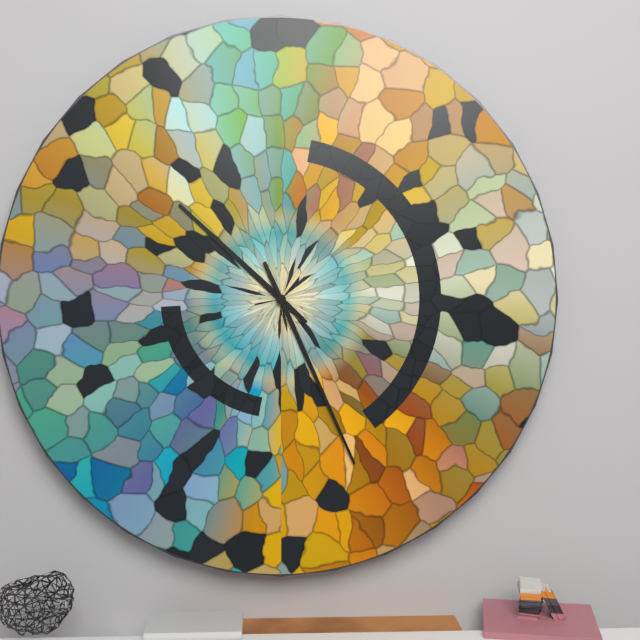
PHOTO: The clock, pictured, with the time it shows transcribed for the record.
10:26
